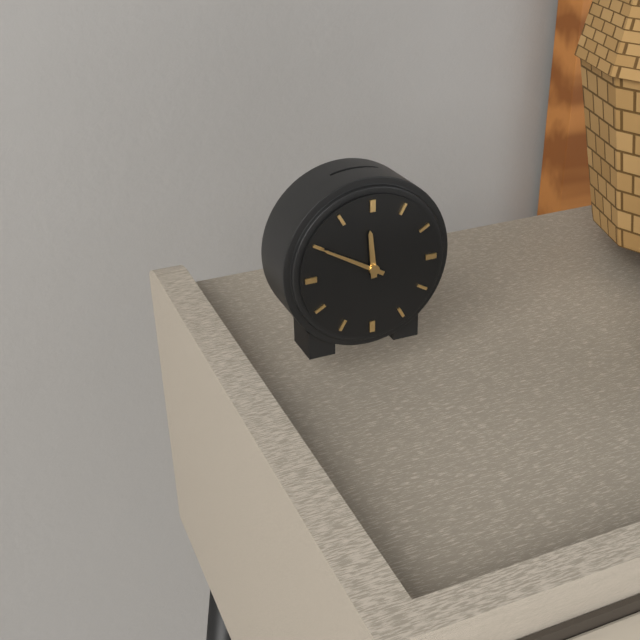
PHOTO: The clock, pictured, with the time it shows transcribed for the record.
11:50
